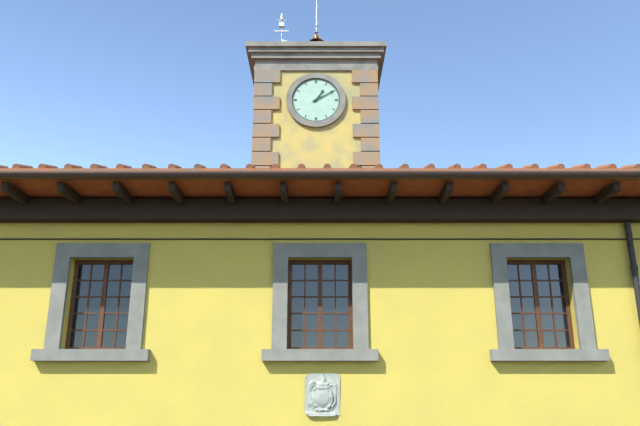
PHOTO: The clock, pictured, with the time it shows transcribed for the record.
1:10
